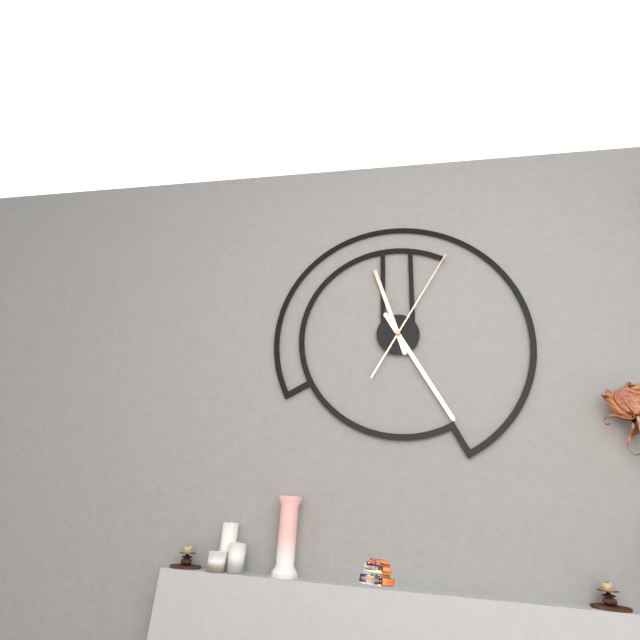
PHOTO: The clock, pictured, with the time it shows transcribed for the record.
11:25:05
